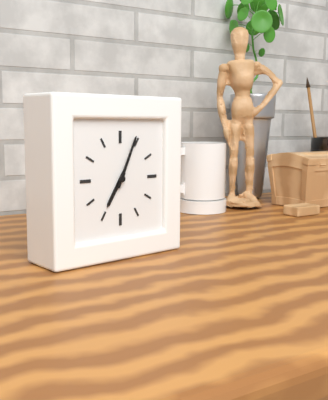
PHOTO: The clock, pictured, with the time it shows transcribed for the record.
7:04
